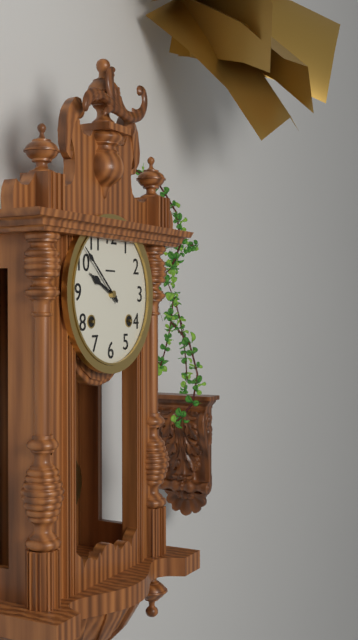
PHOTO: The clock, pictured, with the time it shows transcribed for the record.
9:52
